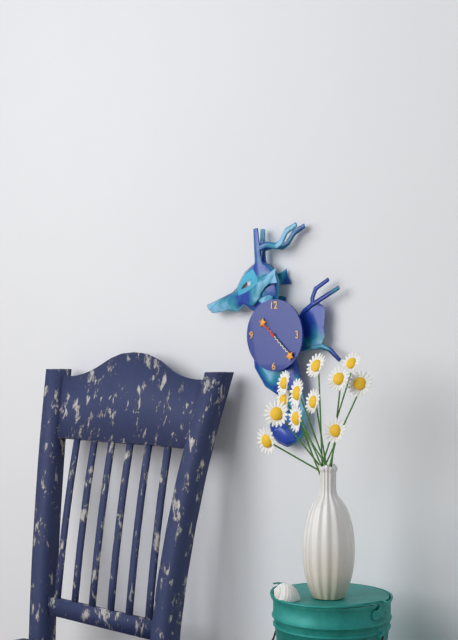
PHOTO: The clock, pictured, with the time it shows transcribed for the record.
10:22
